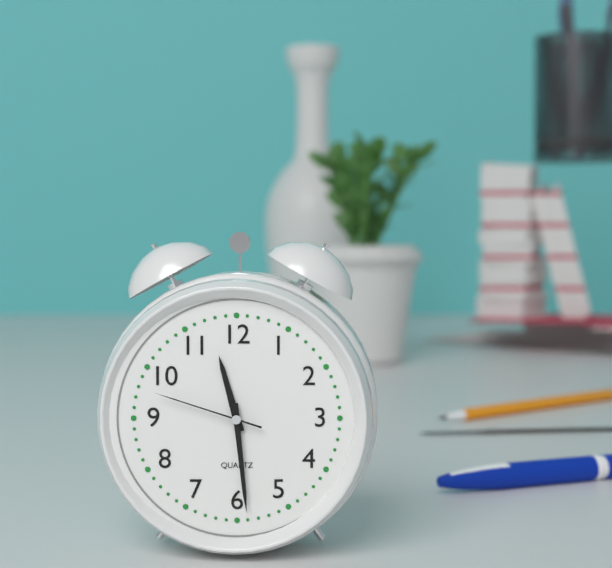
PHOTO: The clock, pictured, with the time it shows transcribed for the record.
11:29:48
